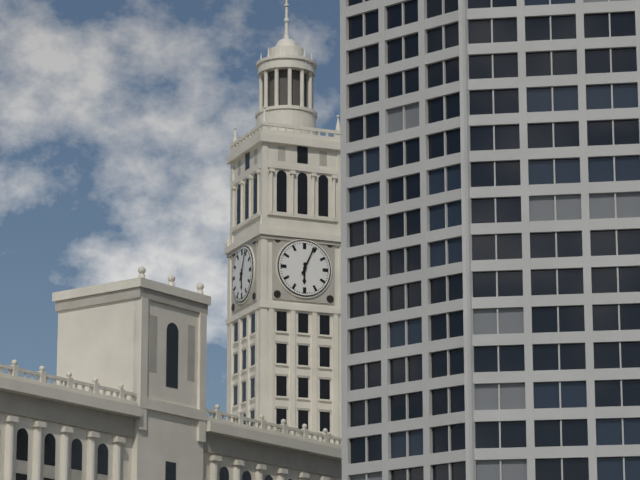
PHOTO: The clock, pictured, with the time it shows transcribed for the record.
6:04
